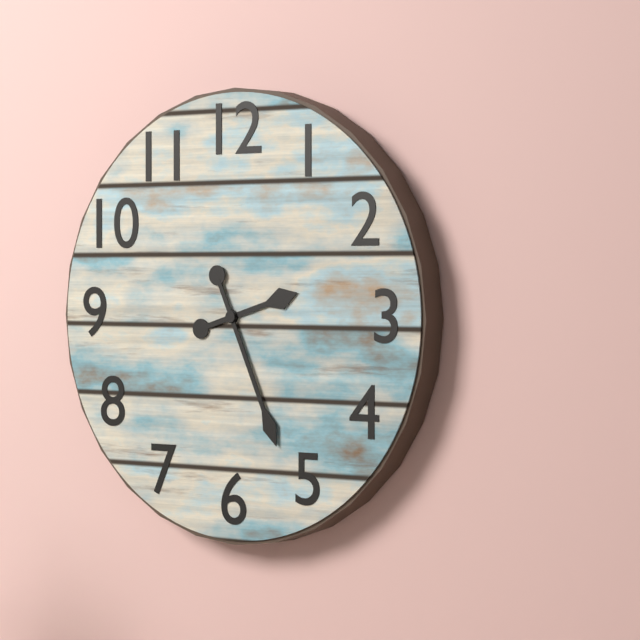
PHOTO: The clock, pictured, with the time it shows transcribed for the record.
2:26
